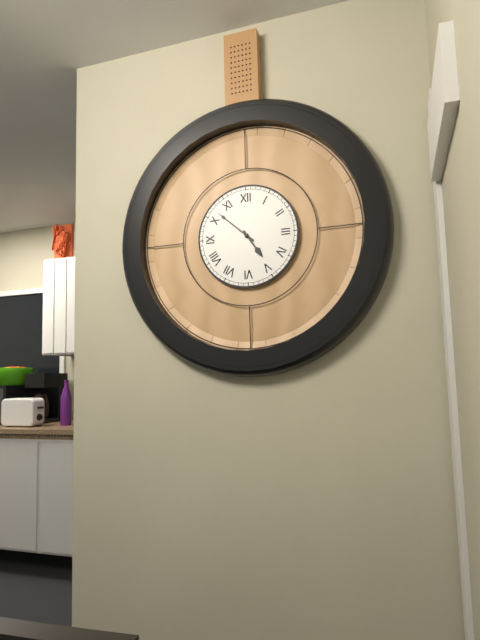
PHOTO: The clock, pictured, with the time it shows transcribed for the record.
4:52
